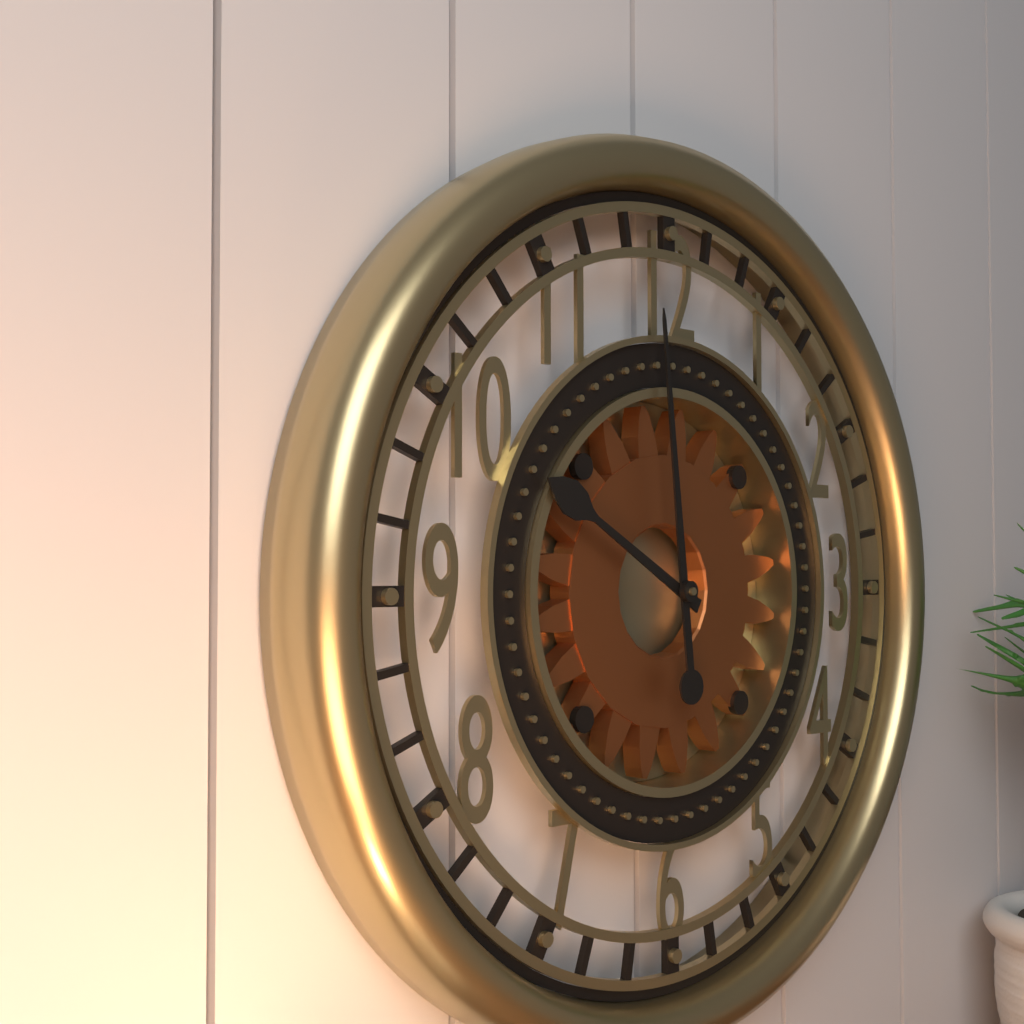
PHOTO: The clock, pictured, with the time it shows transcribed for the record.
9:59
